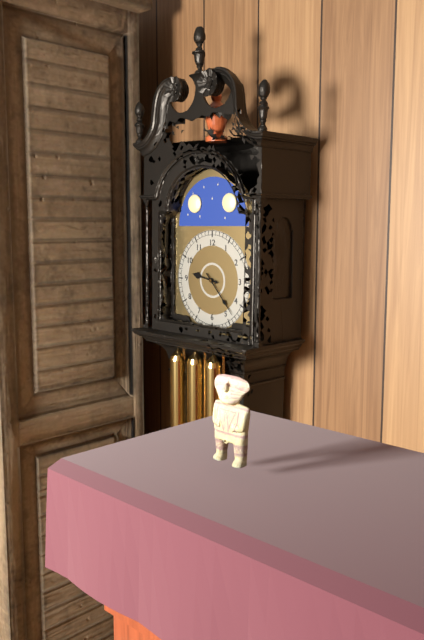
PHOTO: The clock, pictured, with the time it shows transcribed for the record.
9:23
